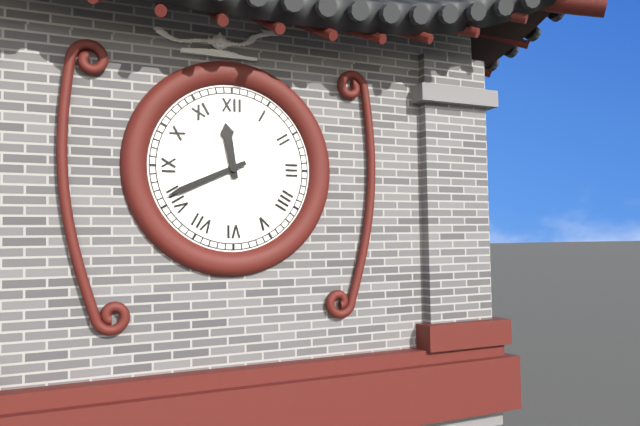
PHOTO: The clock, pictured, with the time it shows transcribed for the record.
11:41
